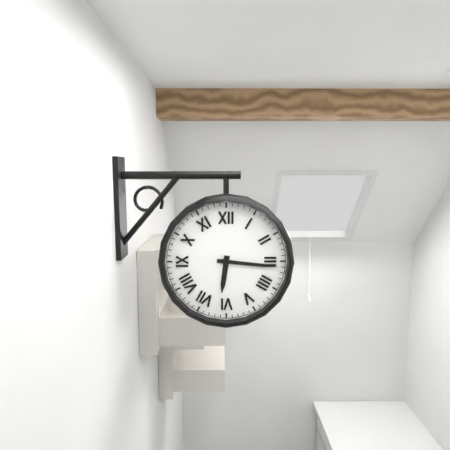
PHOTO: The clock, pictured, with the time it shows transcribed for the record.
6:16
